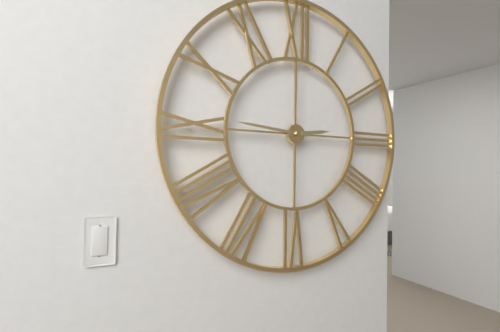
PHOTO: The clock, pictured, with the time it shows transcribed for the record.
2:46
